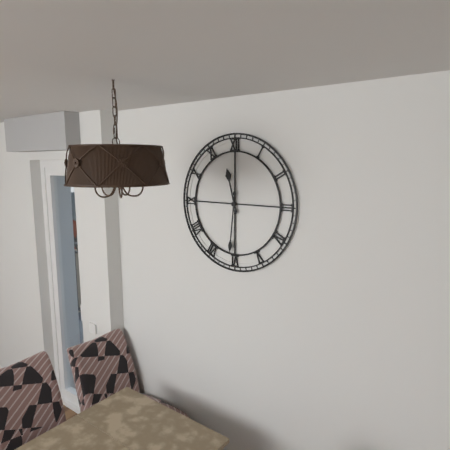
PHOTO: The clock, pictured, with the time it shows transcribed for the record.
11:31
